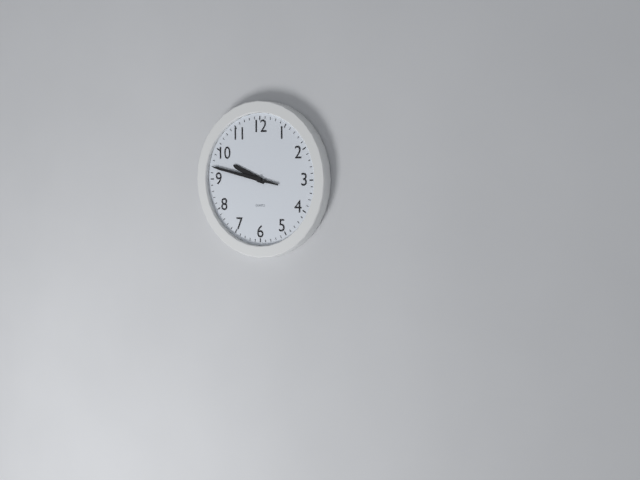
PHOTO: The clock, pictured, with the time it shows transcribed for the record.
9:47
